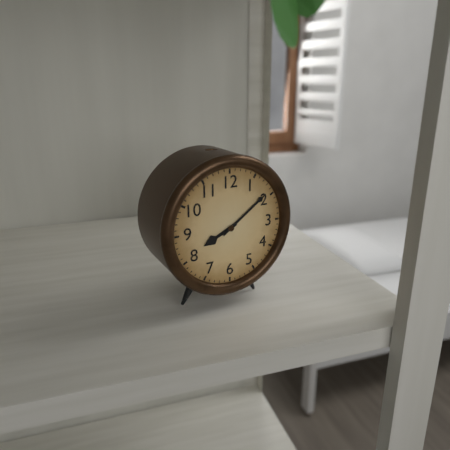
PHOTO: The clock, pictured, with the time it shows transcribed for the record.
8:09
